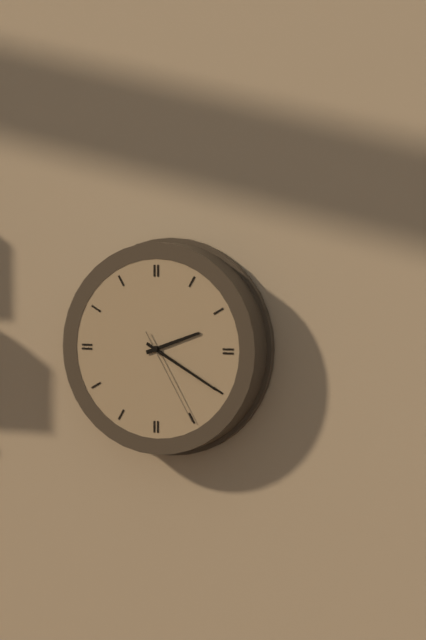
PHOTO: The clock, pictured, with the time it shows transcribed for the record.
2:20:25
